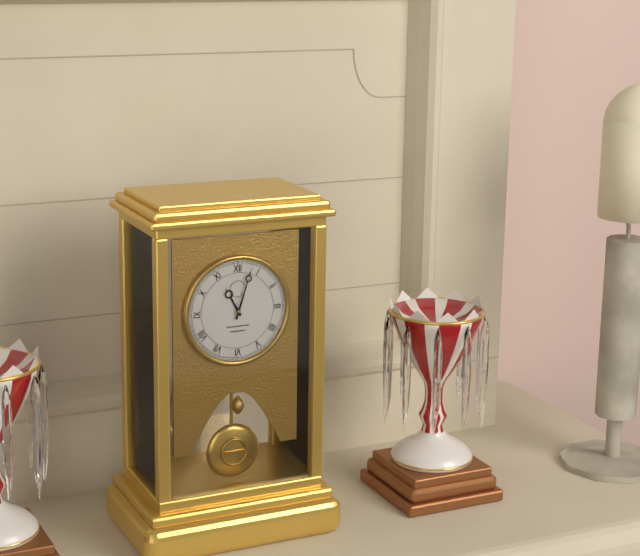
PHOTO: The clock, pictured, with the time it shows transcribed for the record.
11:03
